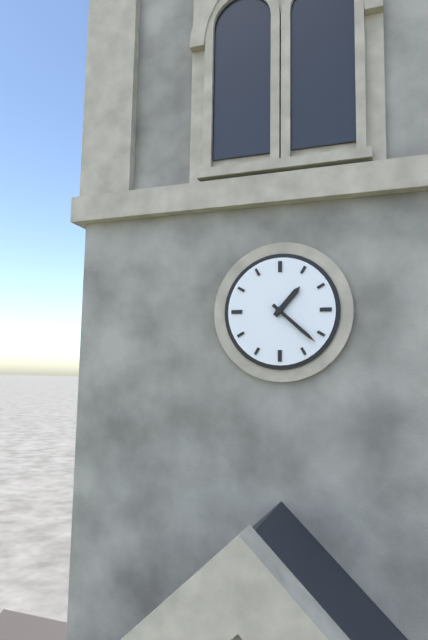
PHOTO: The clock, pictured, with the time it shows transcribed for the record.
1:22
